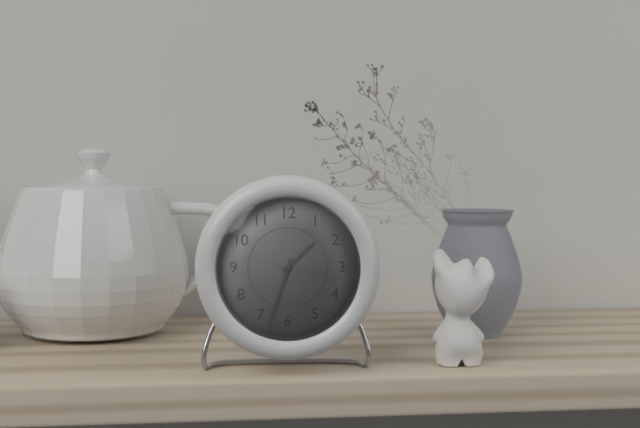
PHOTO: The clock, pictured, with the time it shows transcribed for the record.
1:33:17
